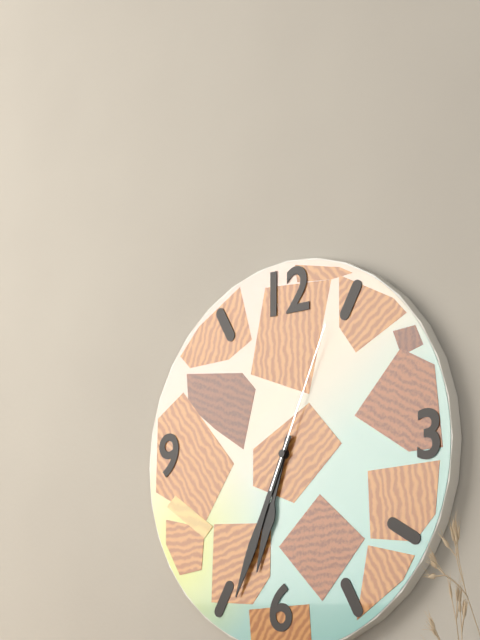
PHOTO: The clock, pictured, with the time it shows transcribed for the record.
6:34:04
